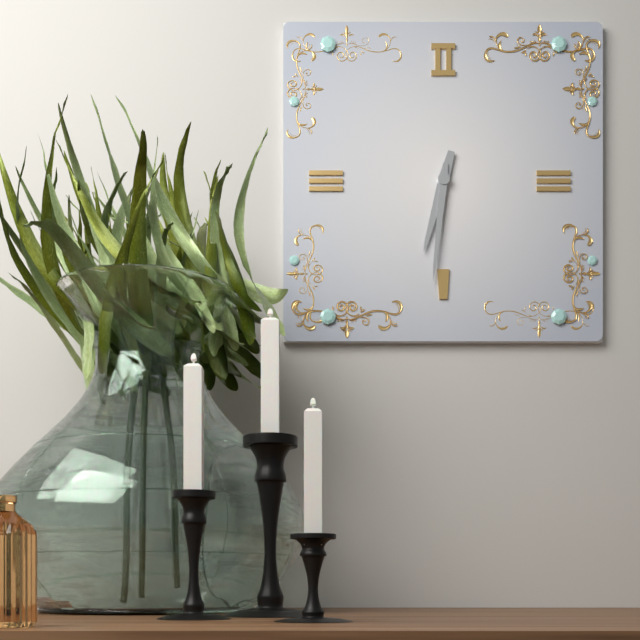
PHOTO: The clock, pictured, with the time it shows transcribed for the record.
6:31
